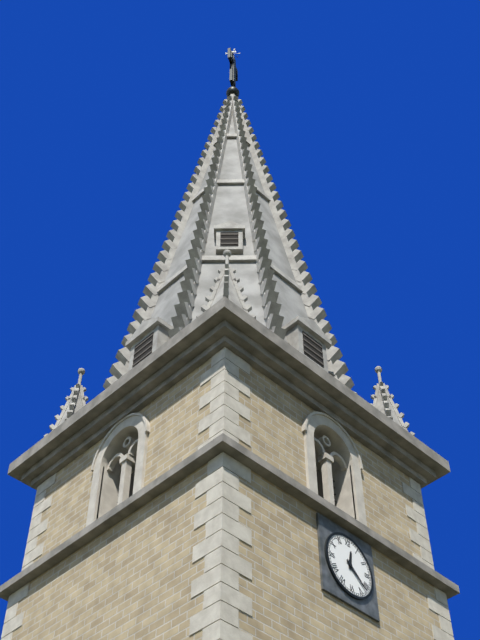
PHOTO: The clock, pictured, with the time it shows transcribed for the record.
12:22
